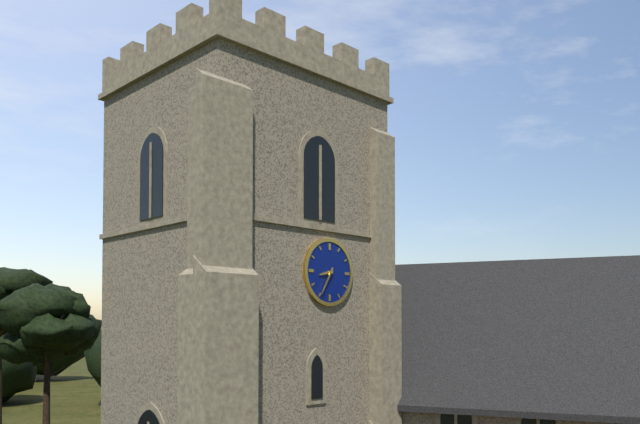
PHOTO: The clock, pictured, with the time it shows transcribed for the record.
8:35
